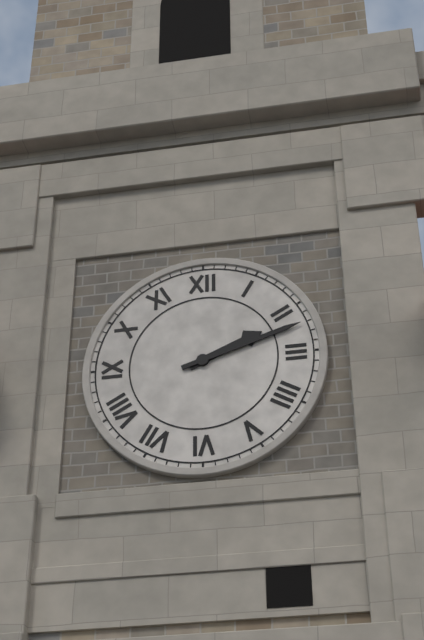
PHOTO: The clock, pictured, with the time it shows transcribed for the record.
2:12
